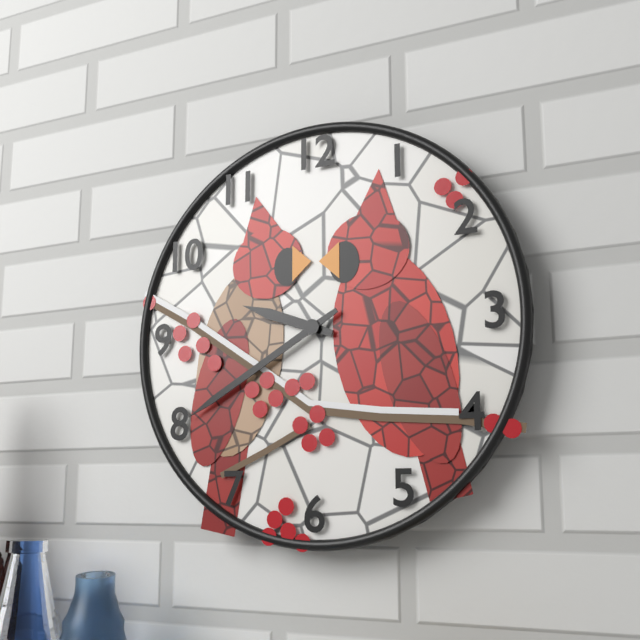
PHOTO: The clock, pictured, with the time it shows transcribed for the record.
9:40
